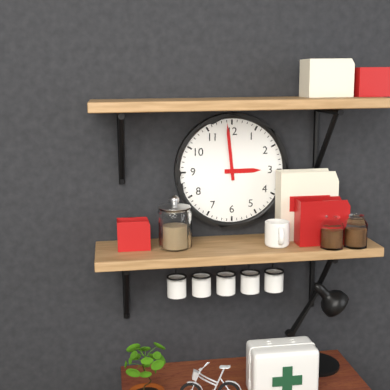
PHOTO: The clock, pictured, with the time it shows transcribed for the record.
2:59
